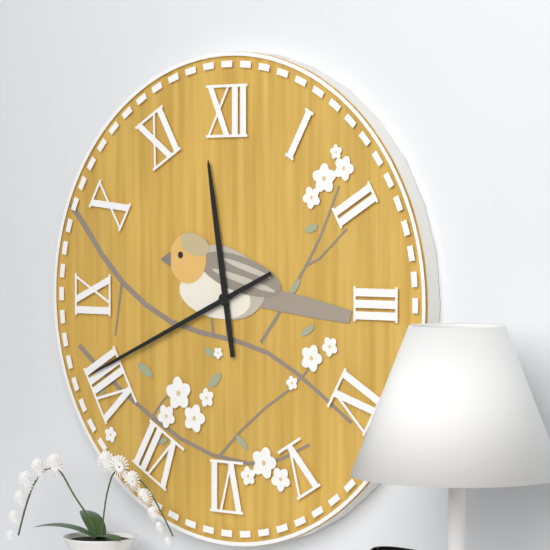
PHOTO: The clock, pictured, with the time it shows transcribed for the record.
11:41
